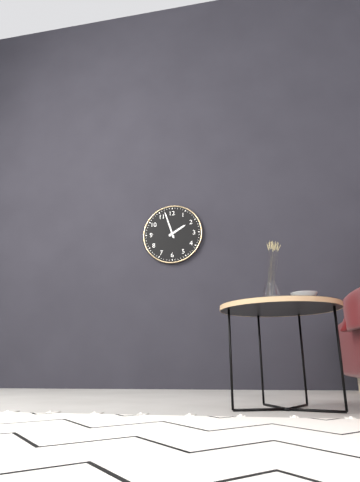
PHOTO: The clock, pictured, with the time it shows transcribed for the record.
1:57
